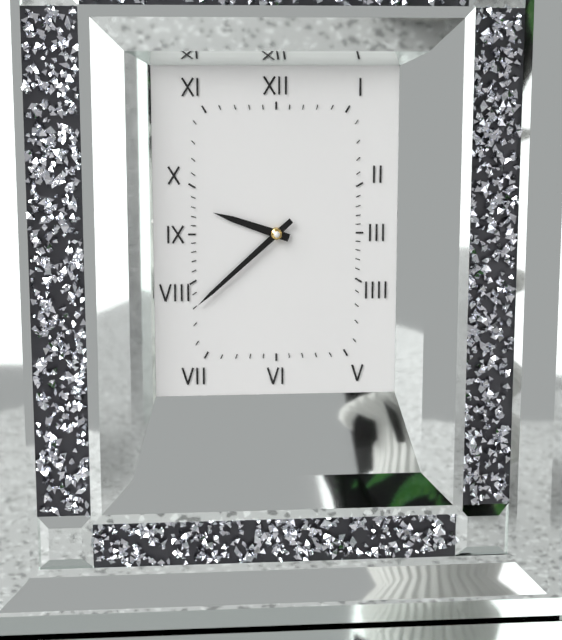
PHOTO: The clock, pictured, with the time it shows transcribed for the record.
9:38
